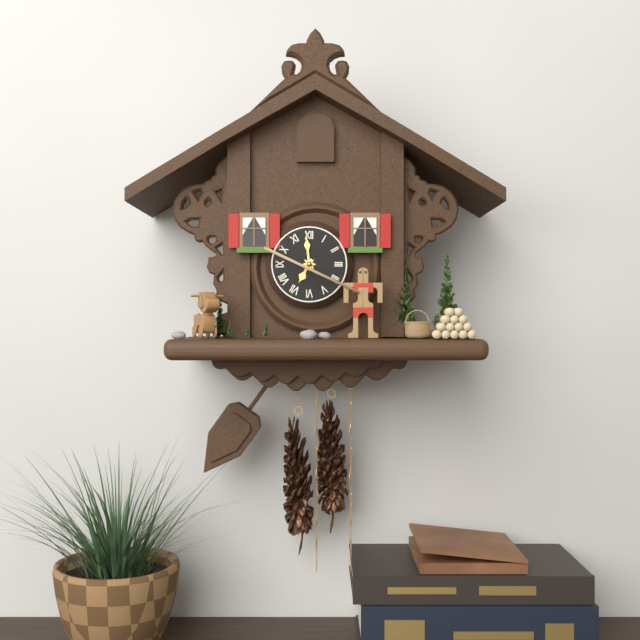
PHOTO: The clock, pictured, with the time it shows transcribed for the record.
6:59
